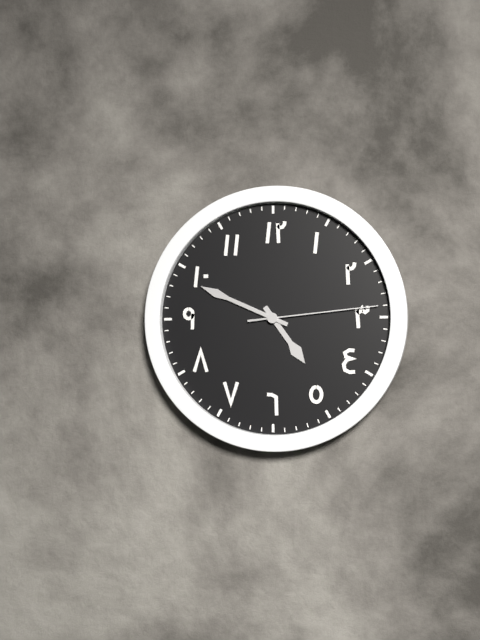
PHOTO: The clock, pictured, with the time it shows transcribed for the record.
4:49:14
